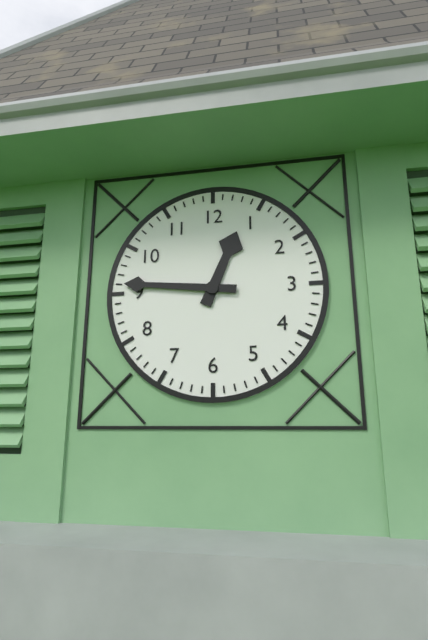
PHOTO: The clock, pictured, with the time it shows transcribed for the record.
12:46
